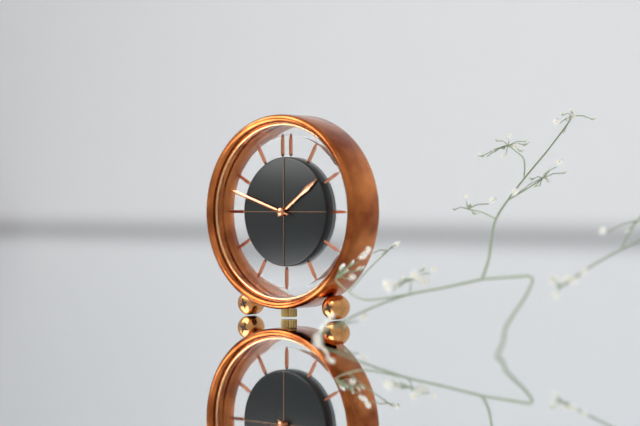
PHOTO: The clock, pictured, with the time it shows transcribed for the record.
1:48
